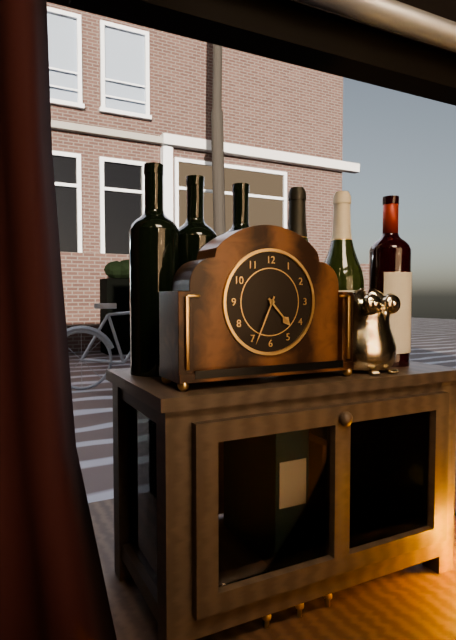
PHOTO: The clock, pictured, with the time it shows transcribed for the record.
4:34
